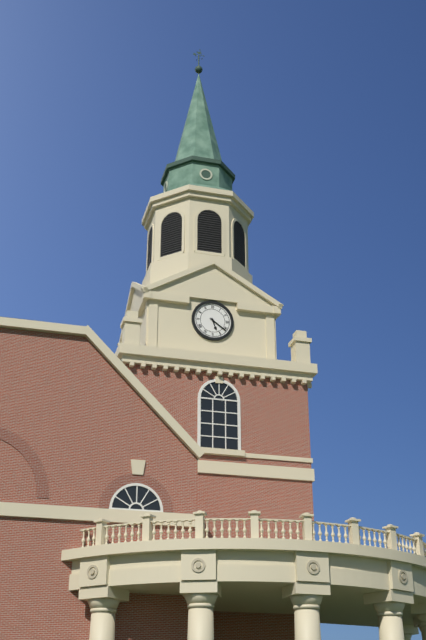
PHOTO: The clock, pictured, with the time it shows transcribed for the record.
5:21
